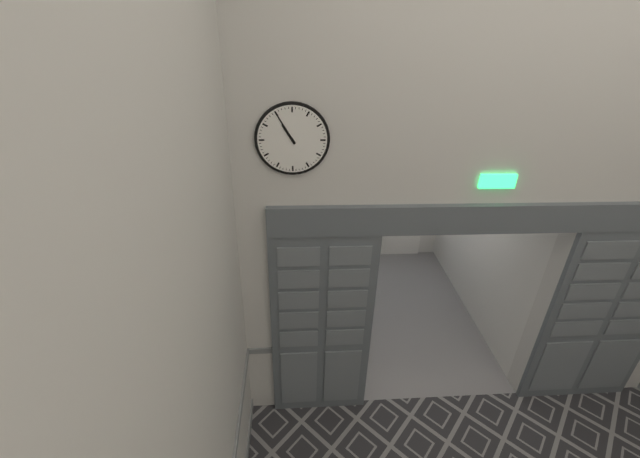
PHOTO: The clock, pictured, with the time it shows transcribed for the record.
10:55
